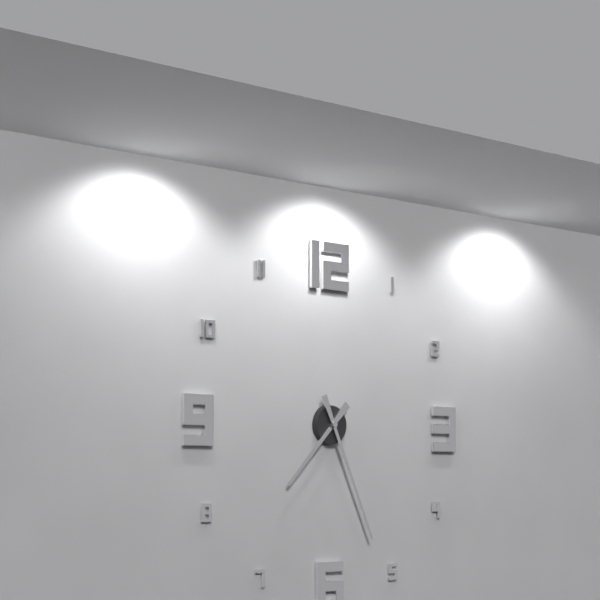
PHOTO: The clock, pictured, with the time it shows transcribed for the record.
7:26
